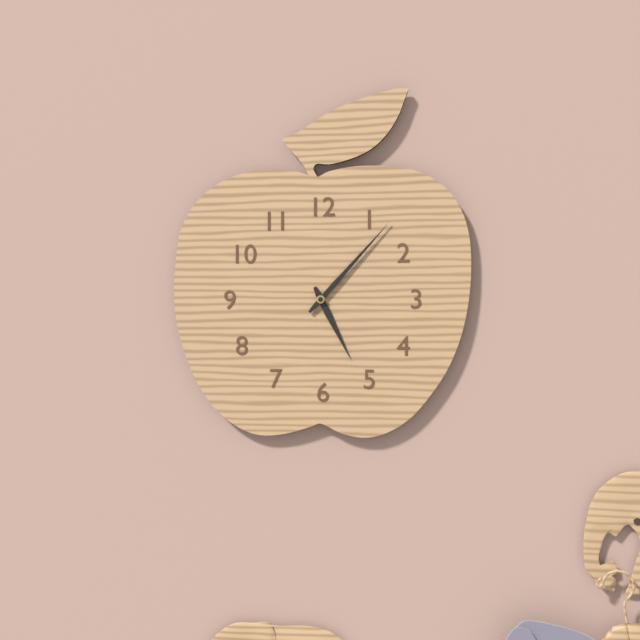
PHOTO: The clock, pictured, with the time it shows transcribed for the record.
5:07
